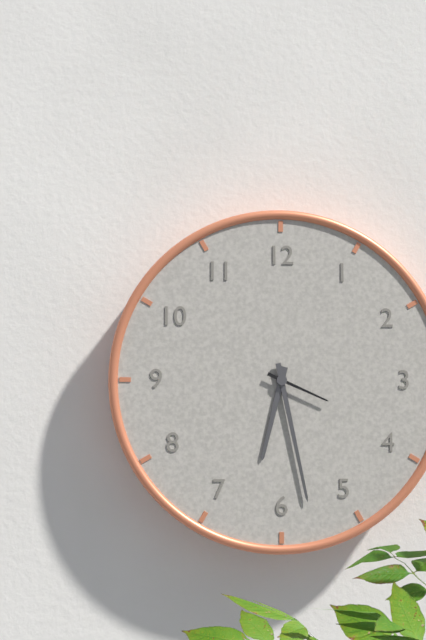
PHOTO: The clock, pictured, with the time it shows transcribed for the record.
6:28:19
